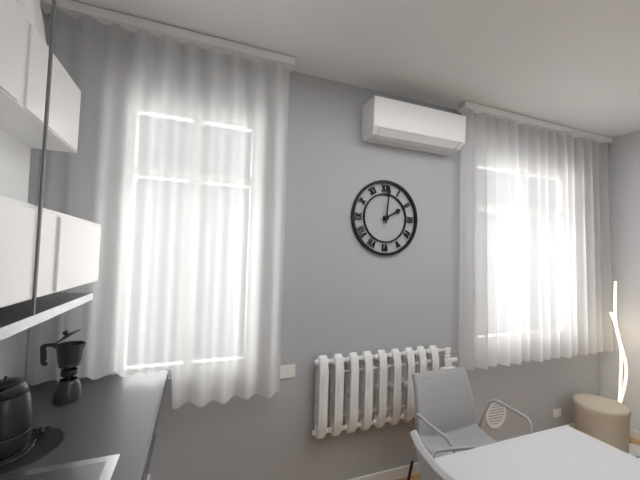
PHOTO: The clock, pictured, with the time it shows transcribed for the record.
2:01
